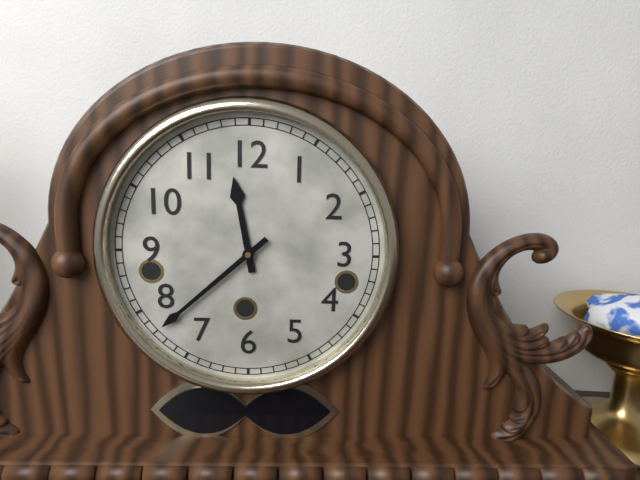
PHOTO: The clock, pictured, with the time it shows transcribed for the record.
11:38
